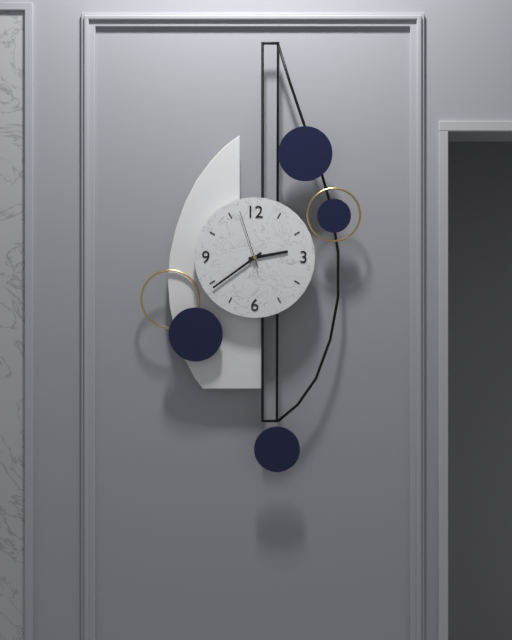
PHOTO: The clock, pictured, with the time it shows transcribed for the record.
2:39:57
